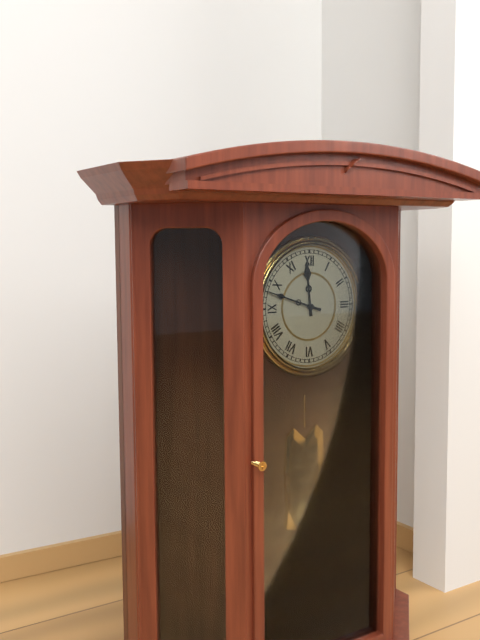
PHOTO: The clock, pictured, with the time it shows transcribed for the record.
11:48
